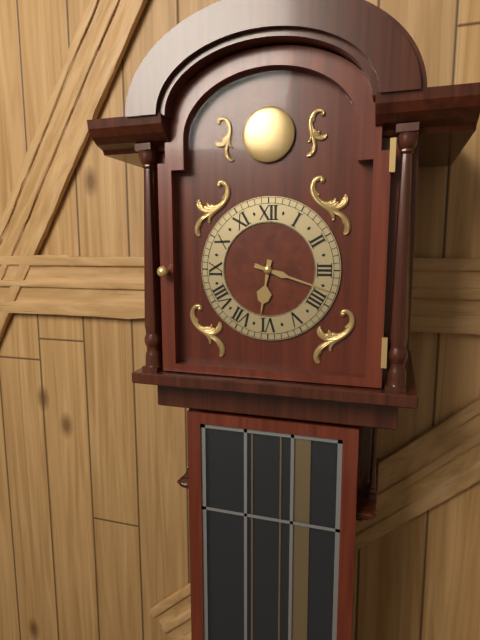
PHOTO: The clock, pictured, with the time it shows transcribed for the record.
6:18
